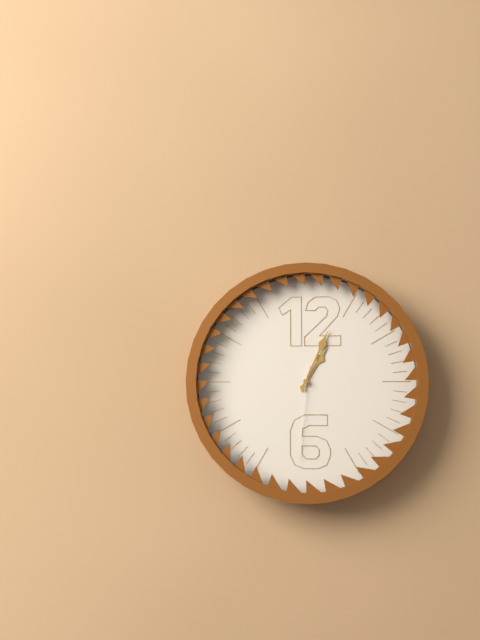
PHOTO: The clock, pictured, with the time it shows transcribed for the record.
1:04:31
